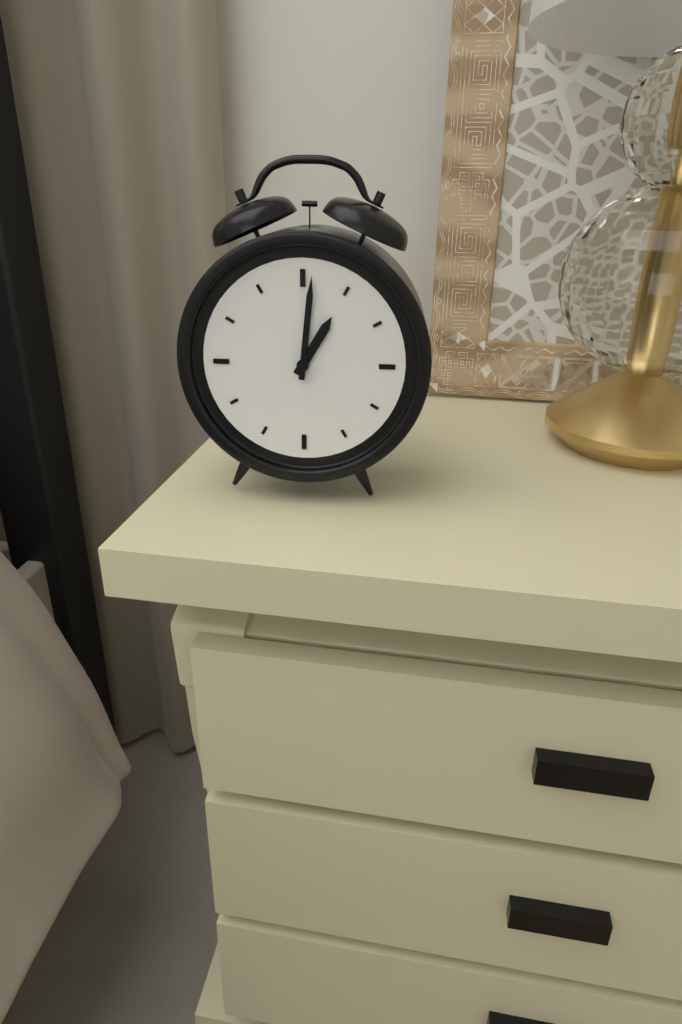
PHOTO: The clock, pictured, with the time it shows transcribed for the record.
1:01
